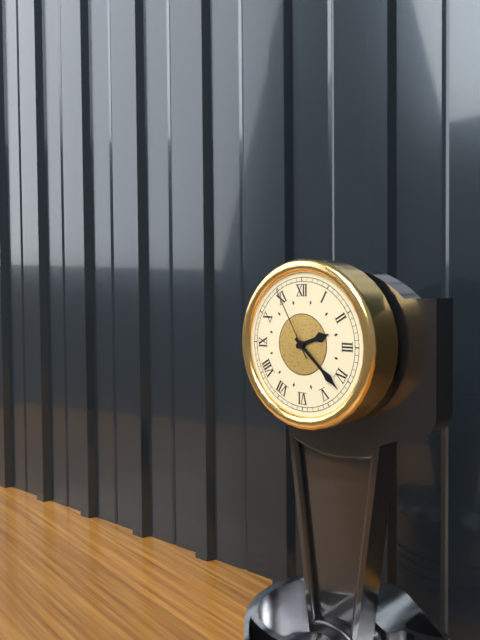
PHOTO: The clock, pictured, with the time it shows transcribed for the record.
2:22:55
